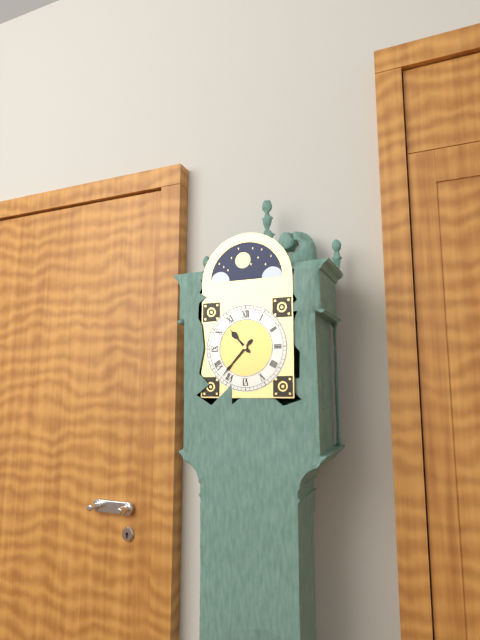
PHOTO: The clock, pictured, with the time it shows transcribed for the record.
10:37
